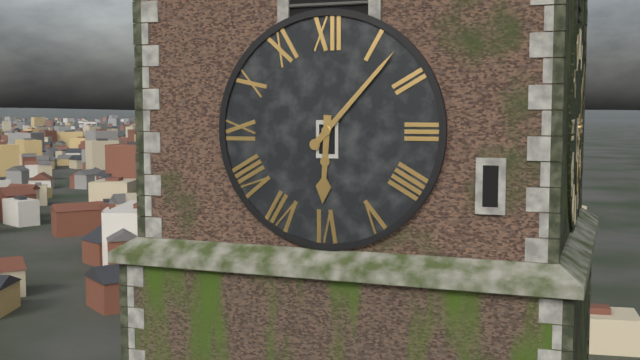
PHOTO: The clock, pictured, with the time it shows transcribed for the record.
6:07
